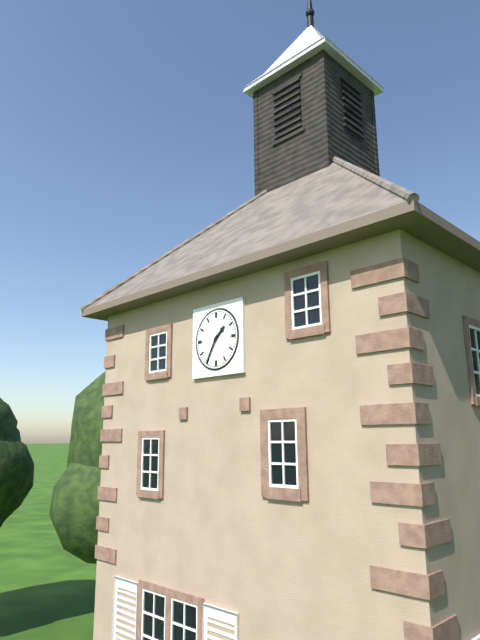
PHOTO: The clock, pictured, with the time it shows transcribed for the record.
1:35
